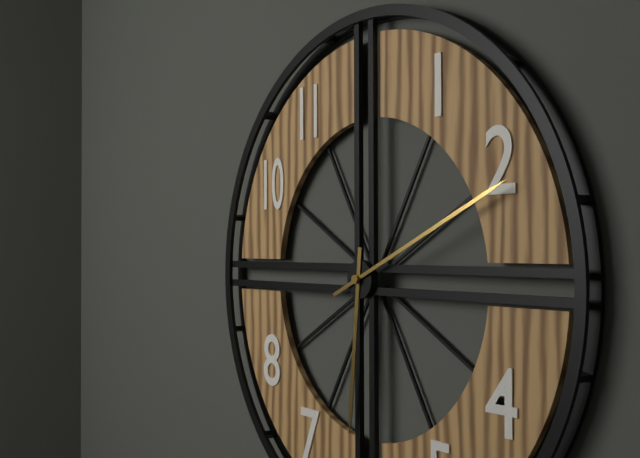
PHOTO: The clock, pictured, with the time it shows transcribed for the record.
6:11
